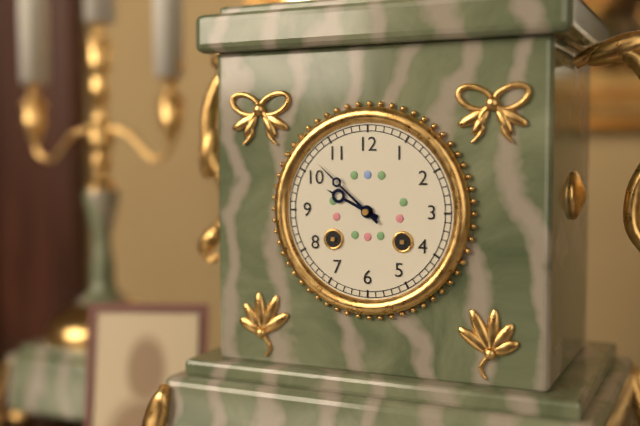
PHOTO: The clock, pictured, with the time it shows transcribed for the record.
9:52
